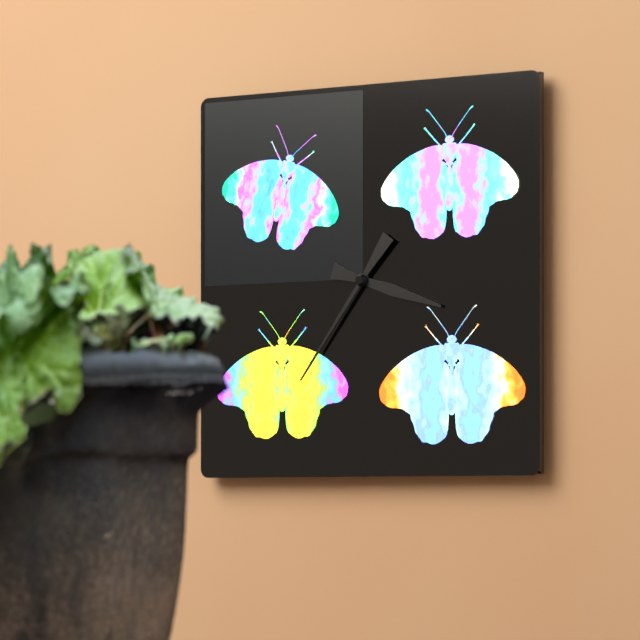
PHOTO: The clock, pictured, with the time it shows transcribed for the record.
3:36
